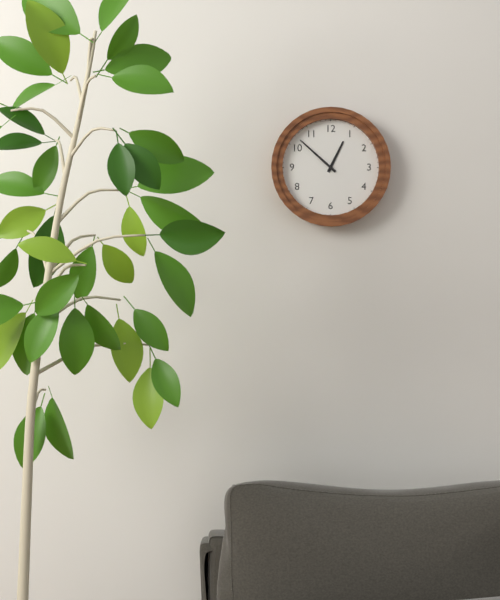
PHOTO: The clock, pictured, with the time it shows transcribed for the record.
12:52
